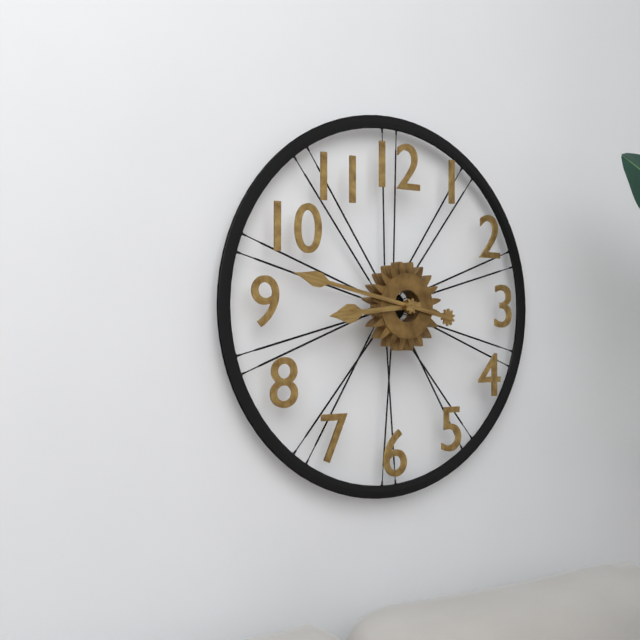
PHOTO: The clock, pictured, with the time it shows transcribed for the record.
8:47
